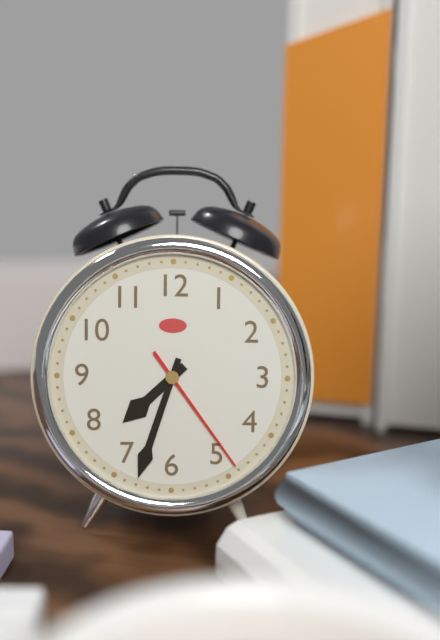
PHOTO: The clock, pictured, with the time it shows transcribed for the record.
7:33:24
